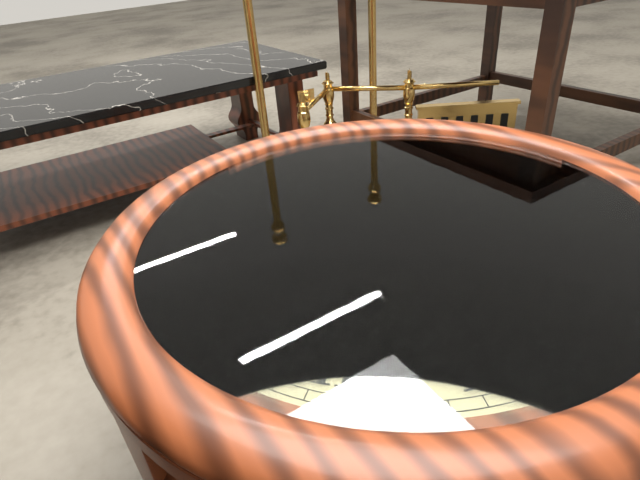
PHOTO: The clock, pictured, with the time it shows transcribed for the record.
8:31:32
